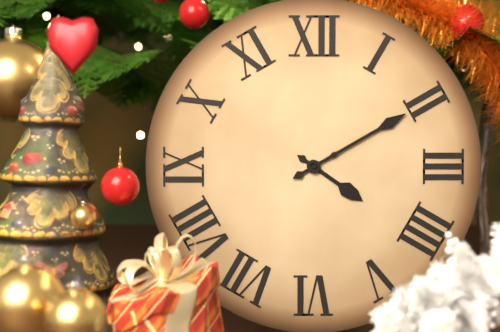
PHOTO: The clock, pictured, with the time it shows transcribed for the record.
4:10
